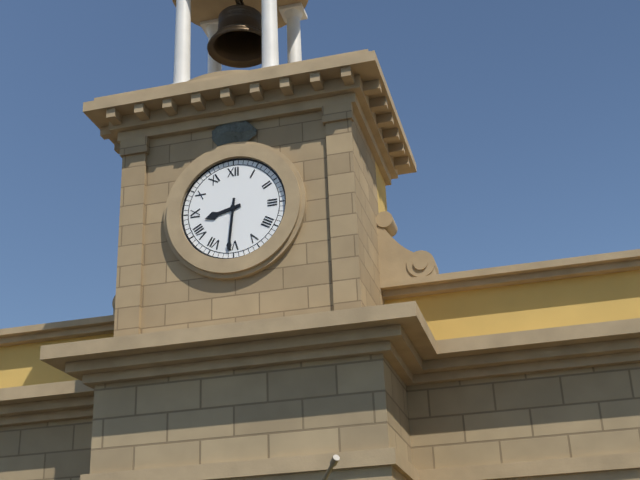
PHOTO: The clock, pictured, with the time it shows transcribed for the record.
8:31
